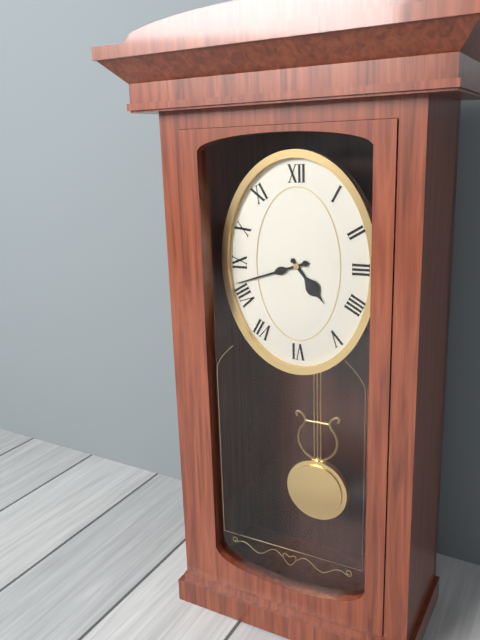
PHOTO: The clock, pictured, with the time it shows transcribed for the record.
4:42
